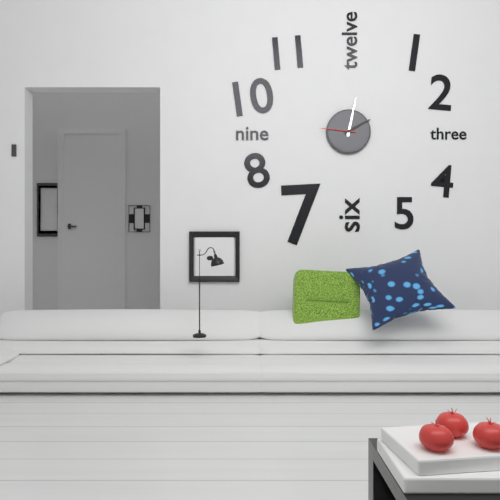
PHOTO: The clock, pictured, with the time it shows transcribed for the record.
2:02
